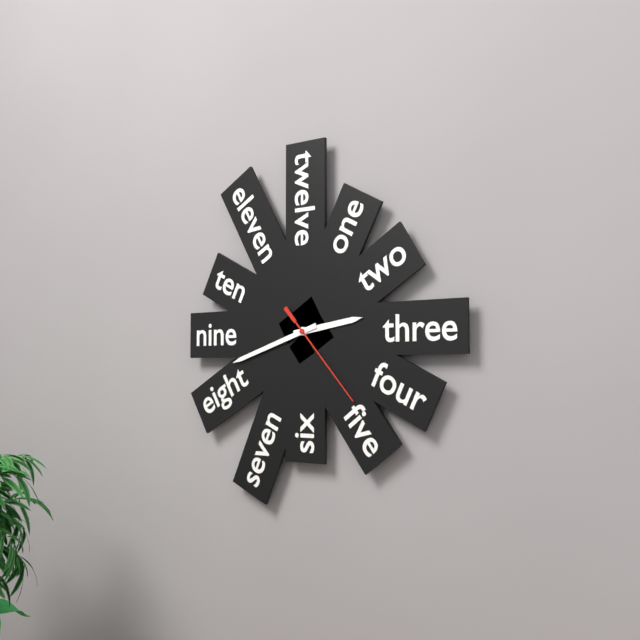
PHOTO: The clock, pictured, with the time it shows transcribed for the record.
2:42:23
